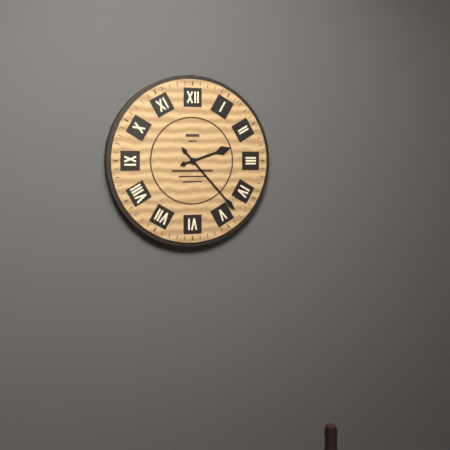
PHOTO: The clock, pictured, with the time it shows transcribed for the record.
2:23
